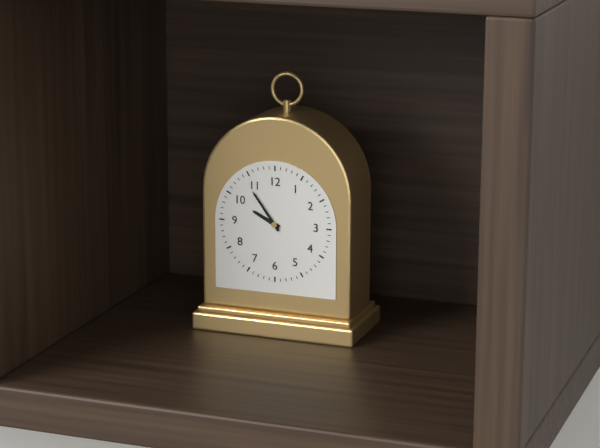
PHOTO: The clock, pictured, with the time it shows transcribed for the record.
9:54
